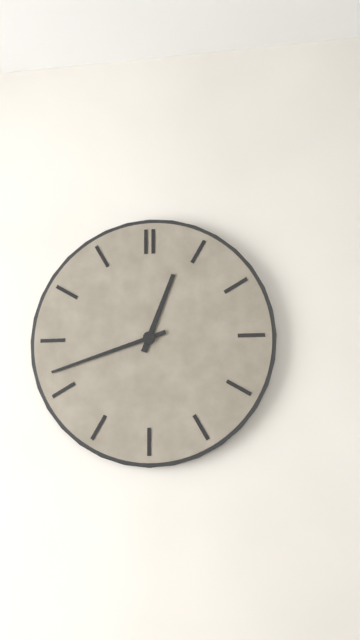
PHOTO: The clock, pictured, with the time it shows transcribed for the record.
12:42
